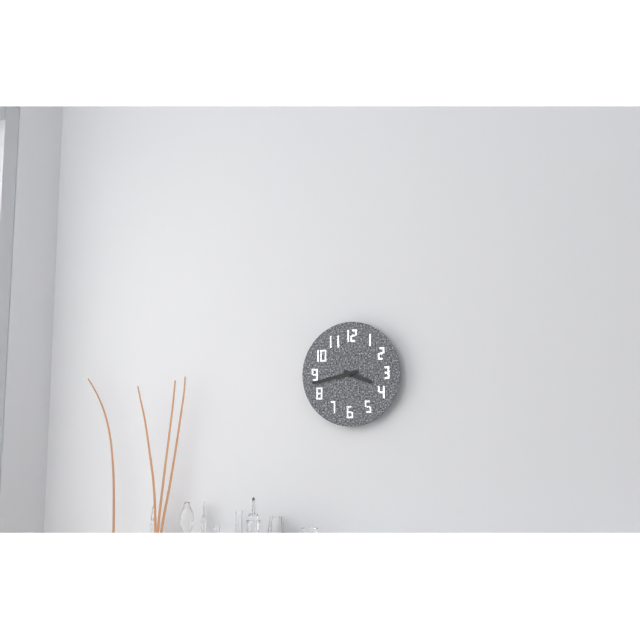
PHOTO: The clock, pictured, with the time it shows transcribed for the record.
3:43
